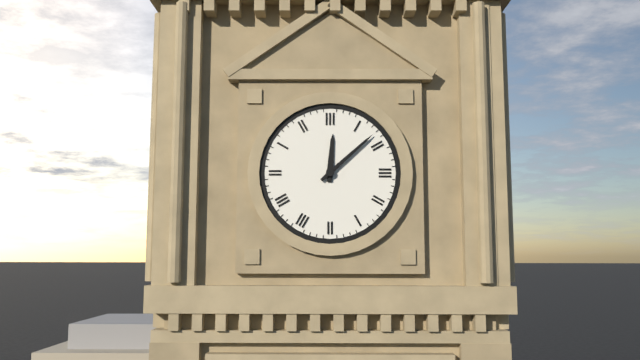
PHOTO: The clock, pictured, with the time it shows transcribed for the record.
12:08
